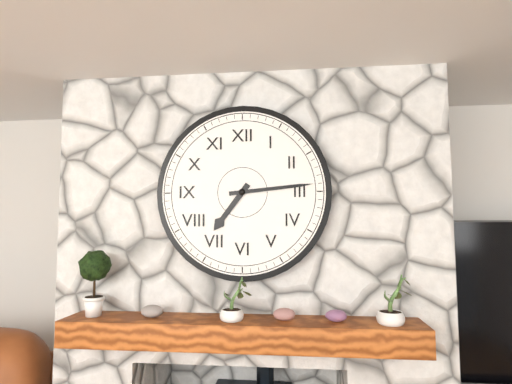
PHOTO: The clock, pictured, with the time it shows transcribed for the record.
7:14
